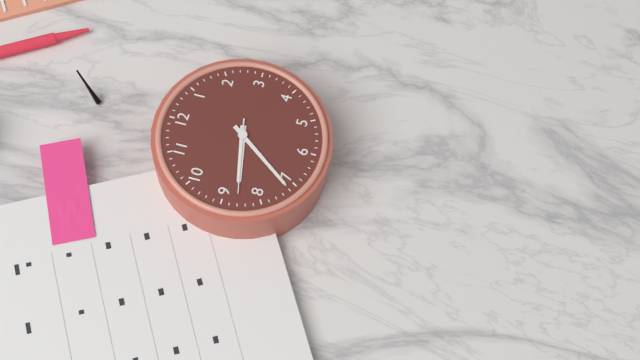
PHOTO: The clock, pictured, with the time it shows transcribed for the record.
8:36:43
